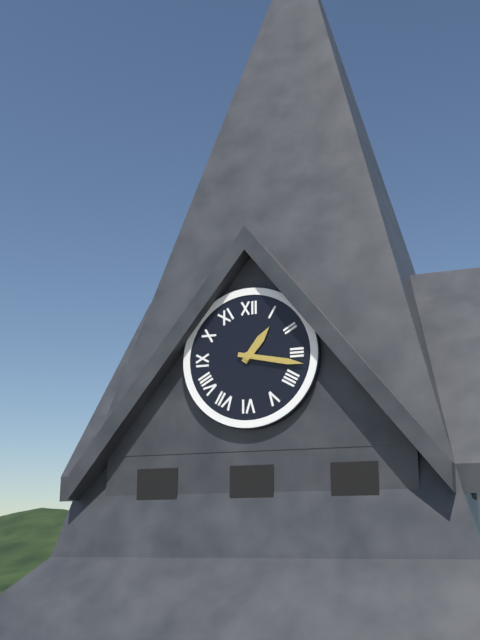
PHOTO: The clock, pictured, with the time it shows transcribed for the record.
1:17
